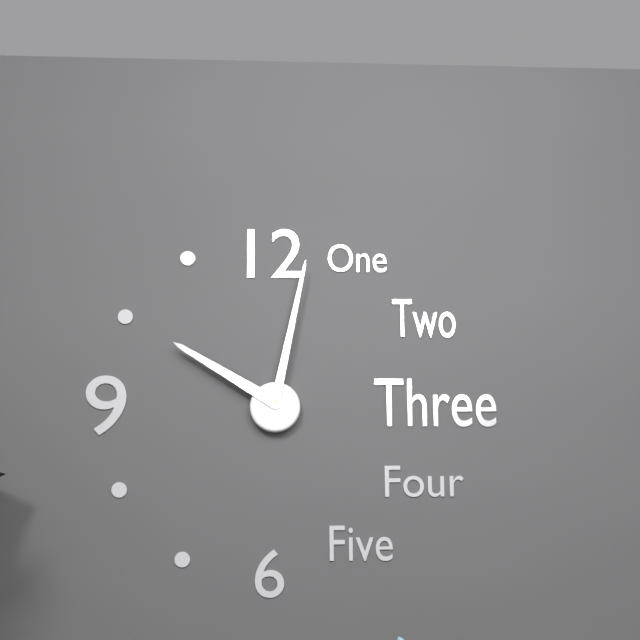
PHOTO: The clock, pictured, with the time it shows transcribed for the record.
10:02
